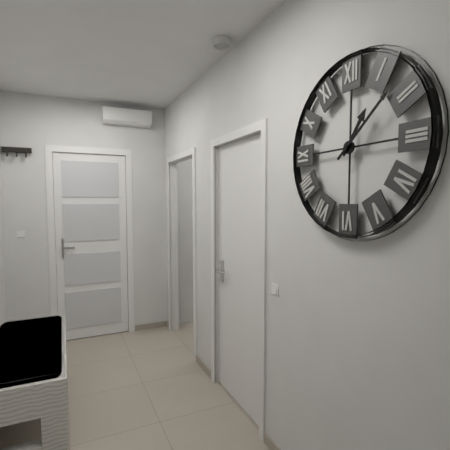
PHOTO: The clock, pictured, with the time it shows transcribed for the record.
1:08
